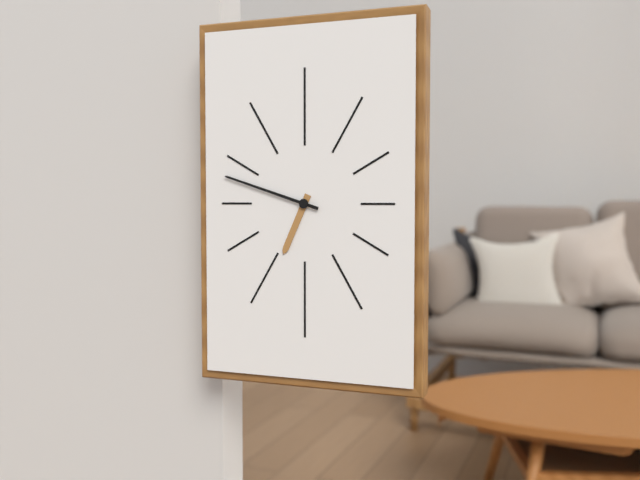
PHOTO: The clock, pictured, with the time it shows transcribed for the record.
6:48
